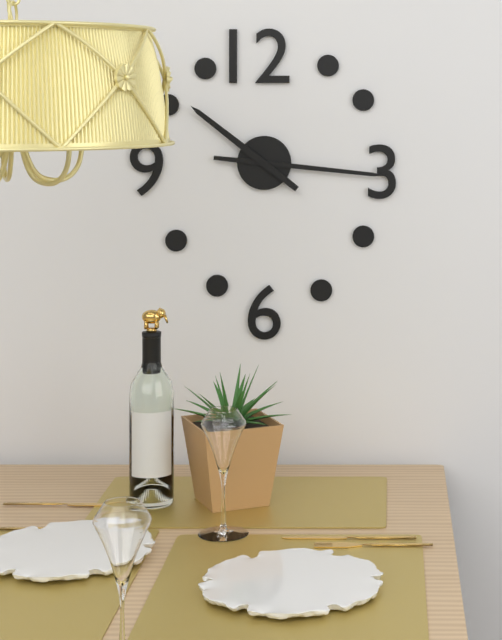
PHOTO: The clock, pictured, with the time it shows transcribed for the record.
10:16
